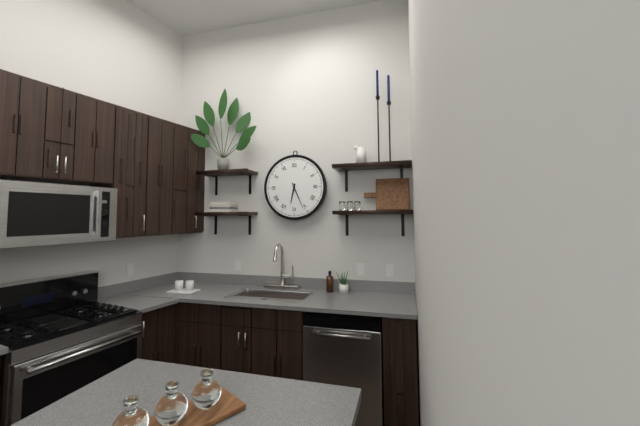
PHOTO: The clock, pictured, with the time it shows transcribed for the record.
6:26
